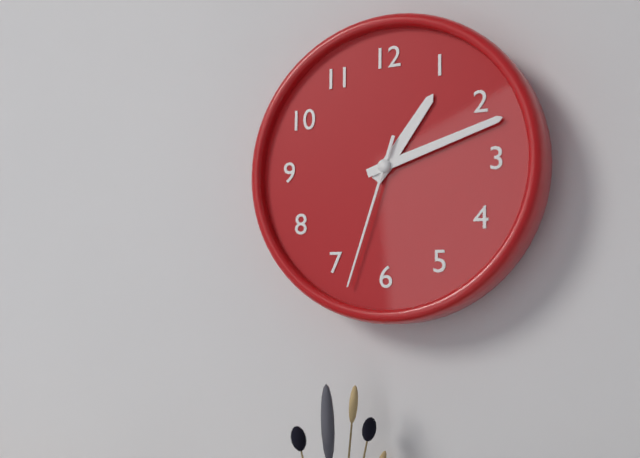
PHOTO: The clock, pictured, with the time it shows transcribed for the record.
1:12:33
